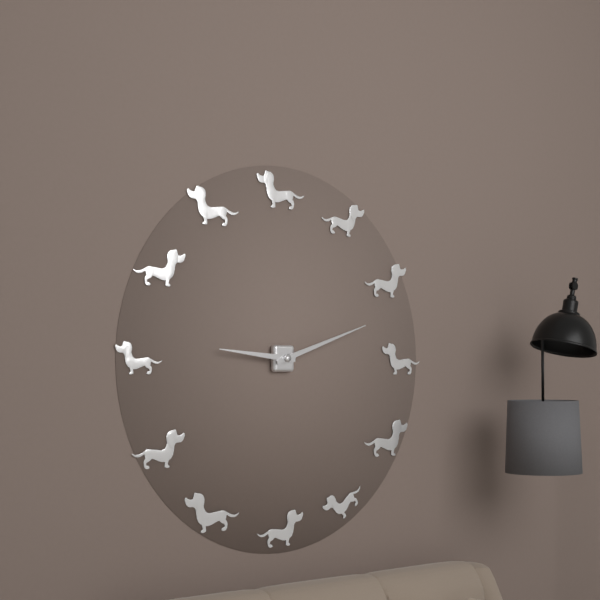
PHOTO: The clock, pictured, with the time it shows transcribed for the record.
9:12
